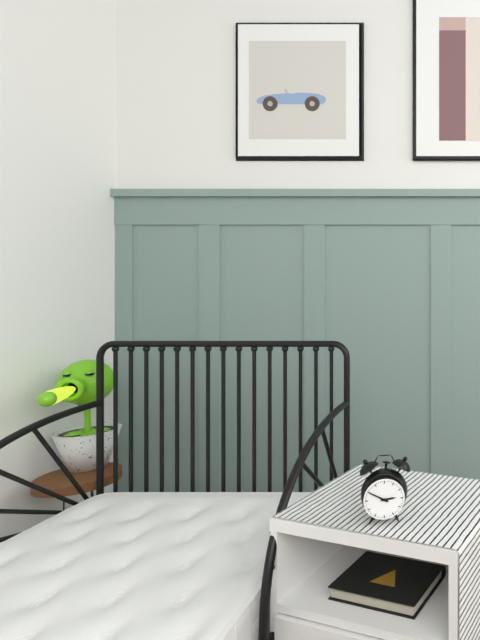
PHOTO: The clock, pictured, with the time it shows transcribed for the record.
2:50
